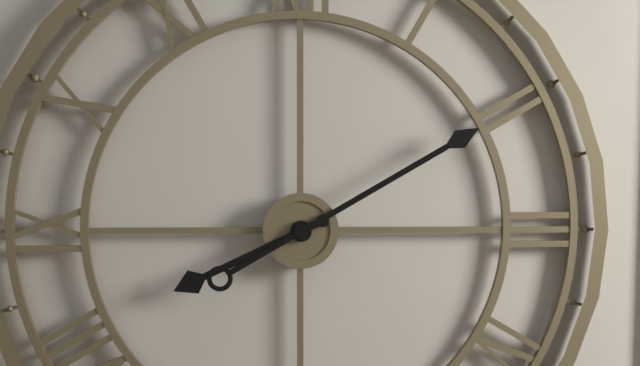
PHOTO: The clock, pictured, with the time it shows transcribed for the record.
8:10
